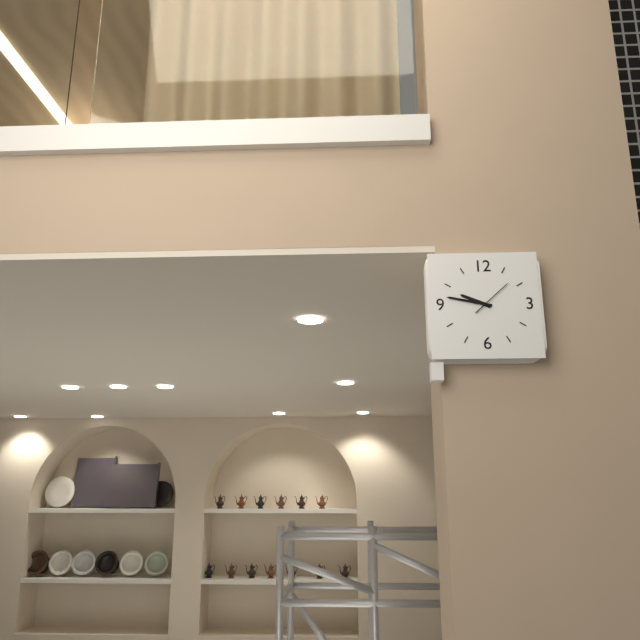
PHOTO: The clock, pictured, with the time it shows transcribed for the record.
9:47
